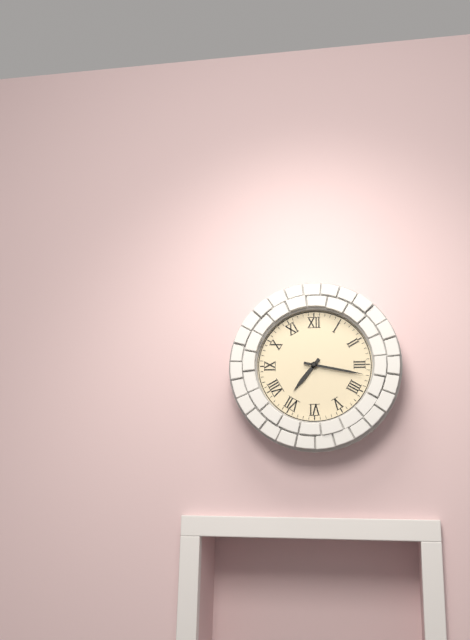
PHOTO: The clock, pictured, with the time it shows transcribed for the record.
7:17
